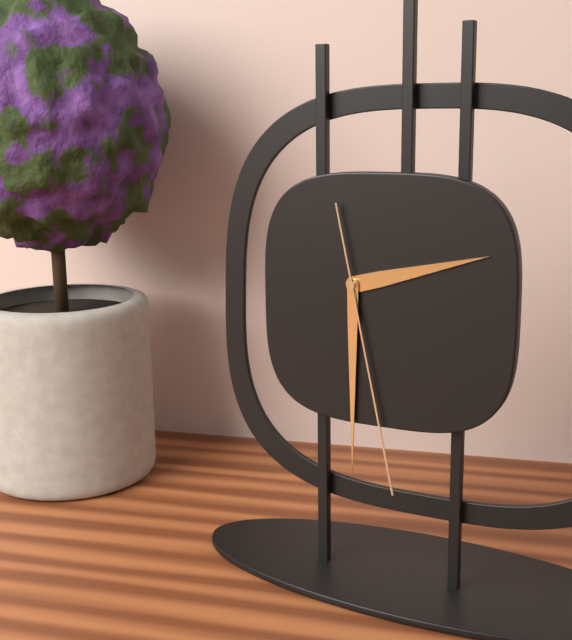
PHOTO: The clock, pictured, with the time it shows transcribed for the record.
2:30:28
